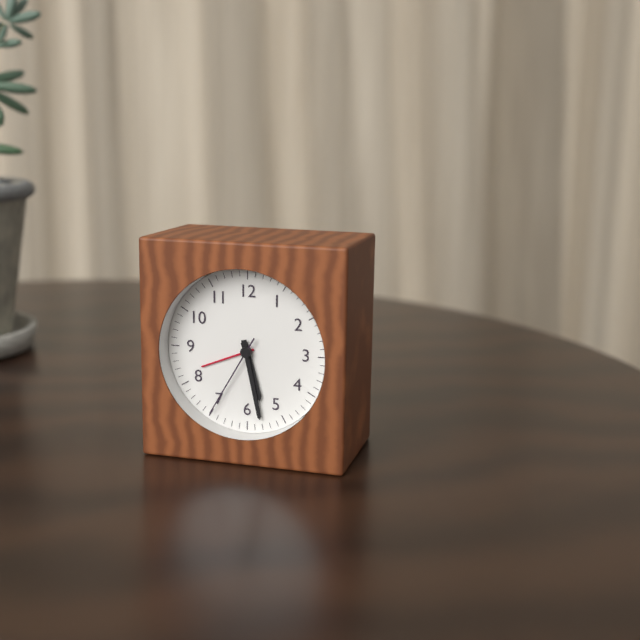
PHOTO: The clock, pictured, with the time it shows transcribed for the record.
5:28:35
